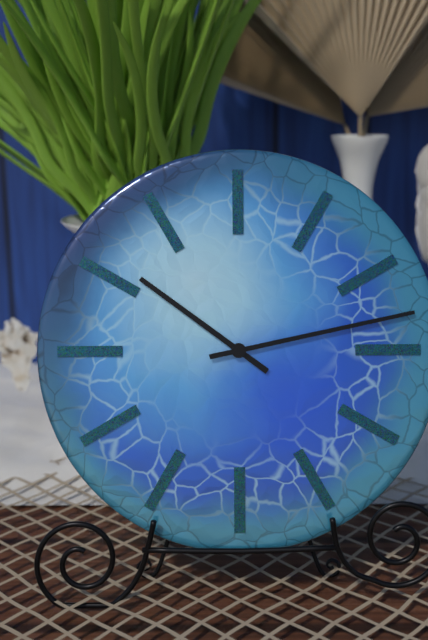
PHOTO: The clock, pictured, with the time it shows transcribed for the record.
10:13
